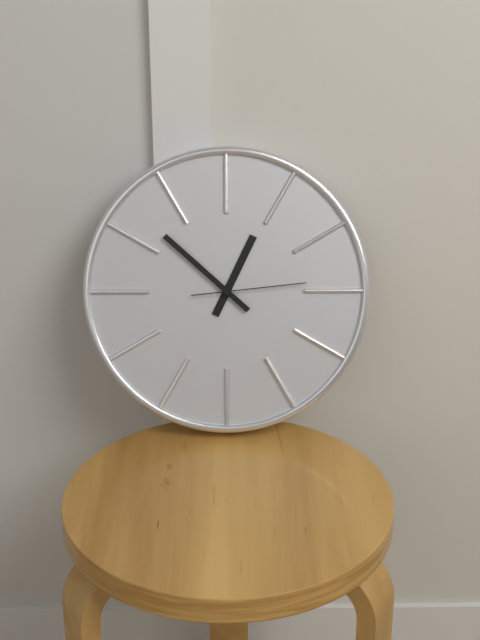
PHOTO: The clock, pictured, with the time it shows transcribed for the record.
12:52:14
